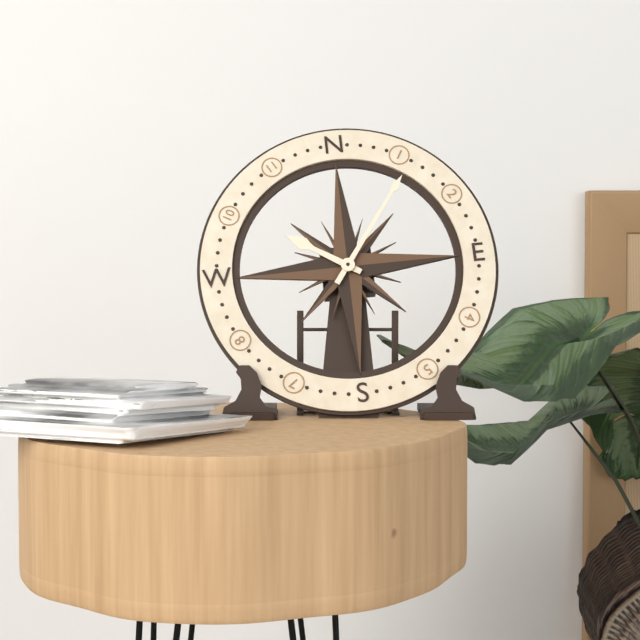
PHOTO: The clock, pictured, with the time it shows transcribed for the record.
10:06
